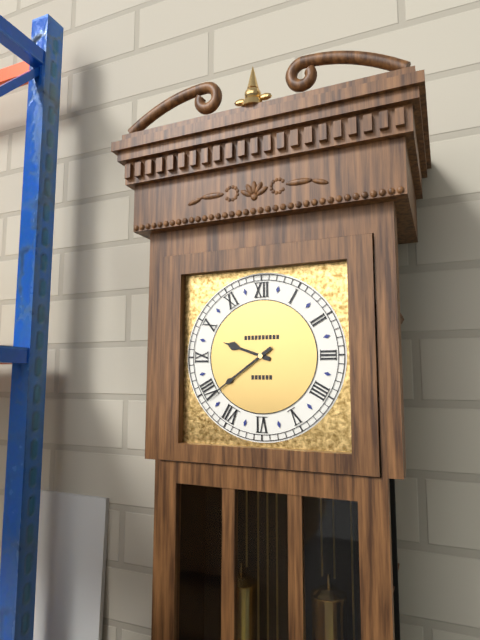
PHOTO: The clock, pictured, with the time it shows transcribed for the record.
9:39
